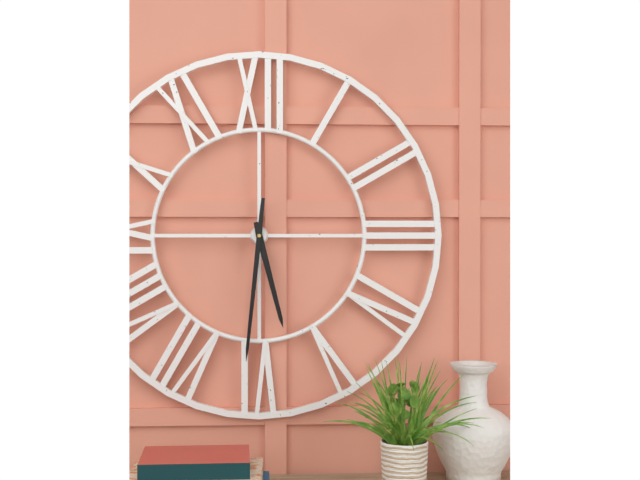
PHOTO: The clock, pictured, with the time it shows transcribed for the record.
5:31
